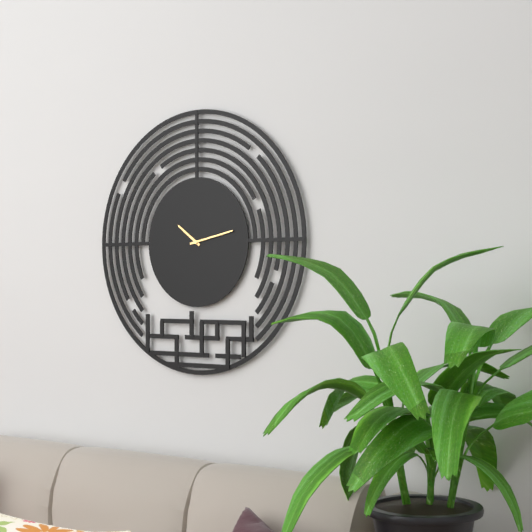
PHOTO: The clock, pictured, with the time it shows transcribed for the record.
10:13
